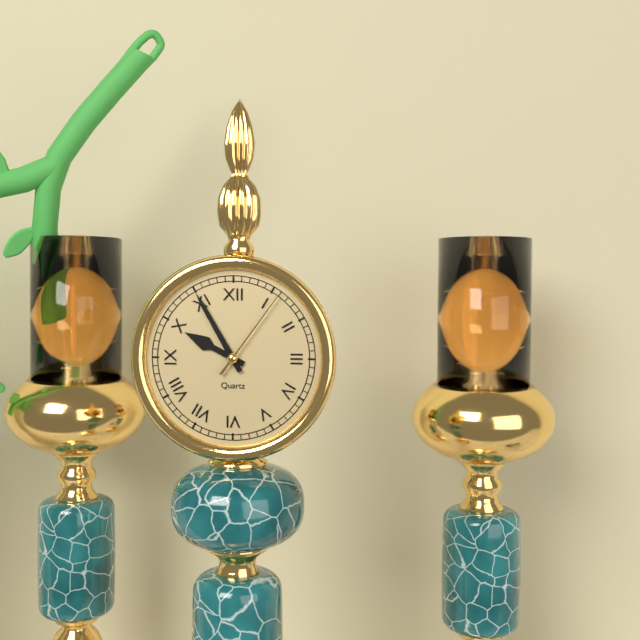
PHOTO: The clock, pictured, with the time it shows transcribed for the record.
9:55:06
